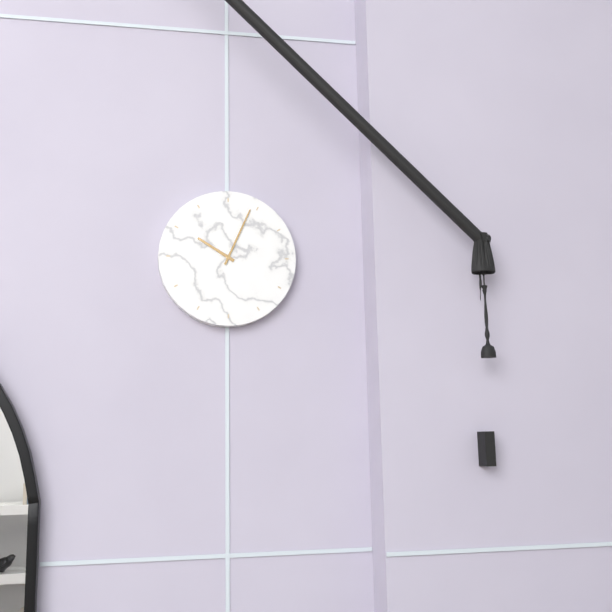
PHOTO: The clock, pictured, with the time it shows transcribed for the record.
10:04
